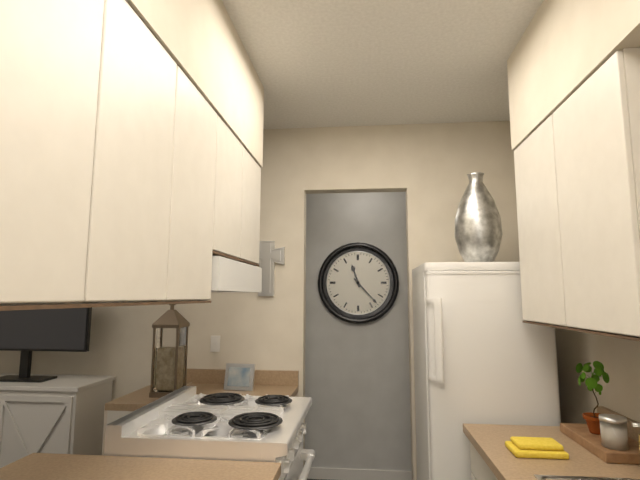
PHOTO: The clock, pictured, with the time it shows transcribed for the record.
11:23
